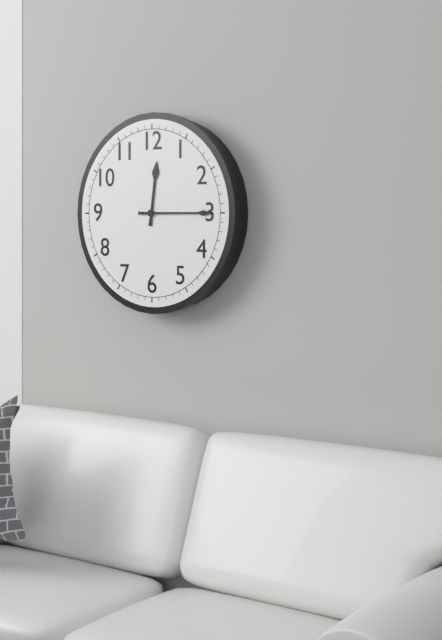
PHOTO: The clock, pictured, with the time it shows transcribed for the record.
12:15
